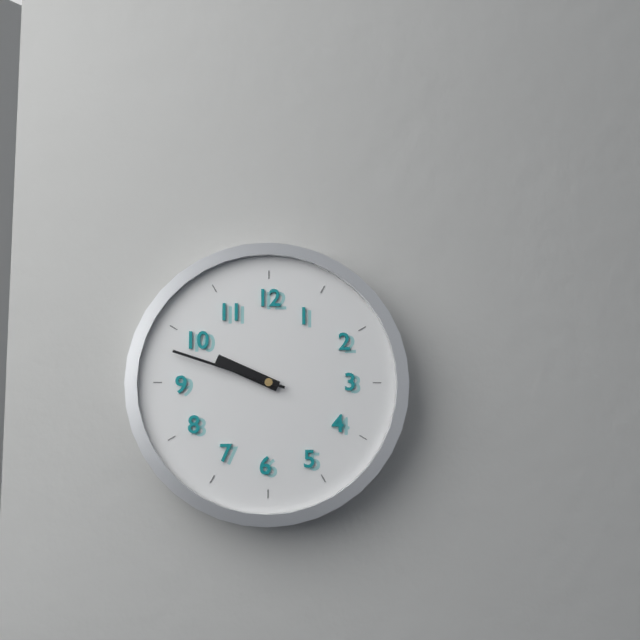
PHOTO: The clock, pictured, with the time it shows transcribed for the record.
9:48
